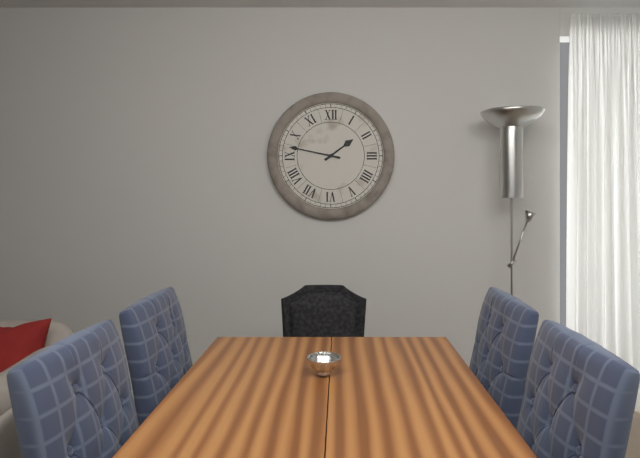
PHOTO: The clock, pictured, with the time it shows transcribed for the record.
1:47
